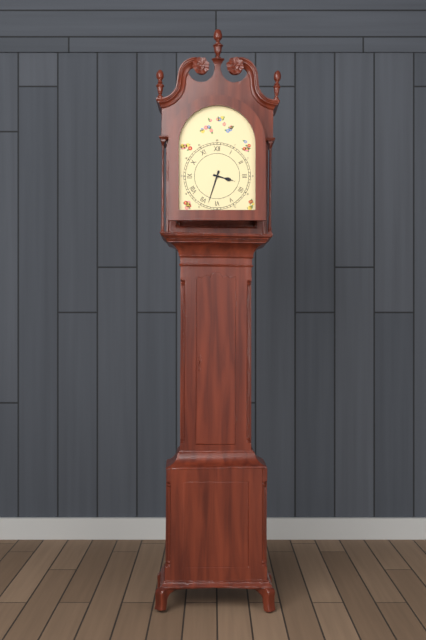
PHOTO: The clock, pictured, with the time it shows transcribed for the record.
3:33
